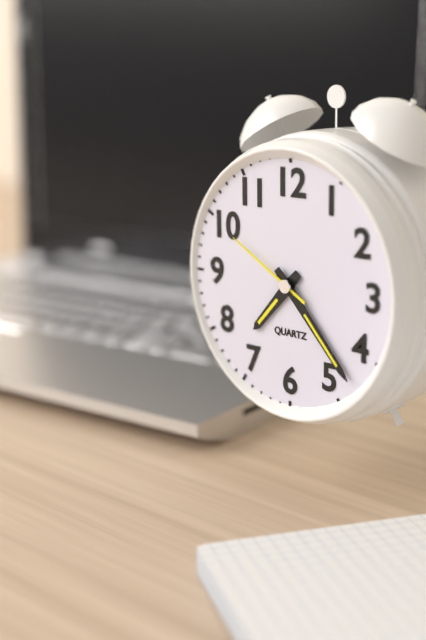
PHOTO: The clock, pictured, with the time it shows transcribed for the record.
7:23:50
